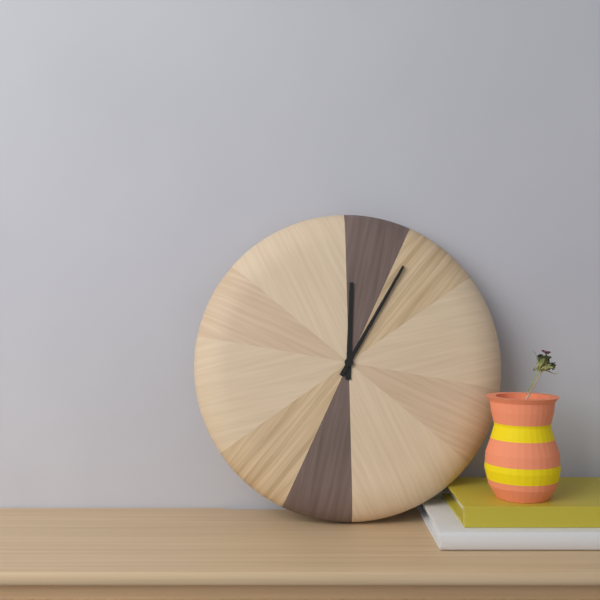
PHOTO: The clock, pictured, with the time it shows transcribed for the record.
12:05
